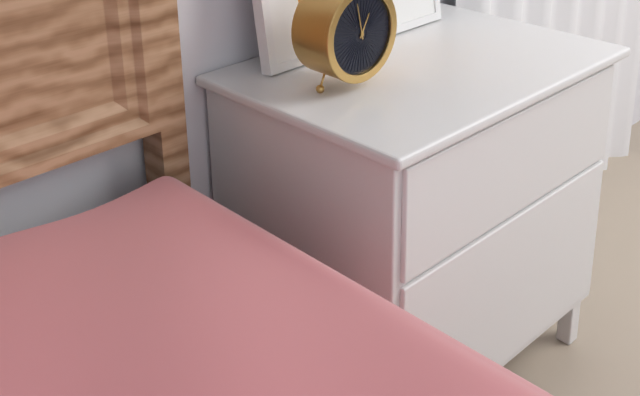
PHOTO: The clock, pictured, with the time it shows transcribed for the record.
12:58
